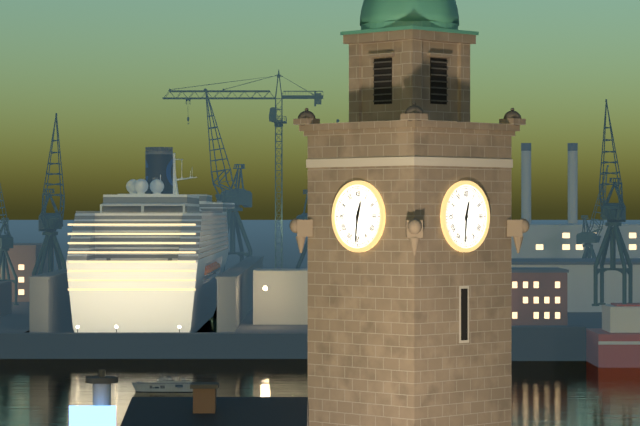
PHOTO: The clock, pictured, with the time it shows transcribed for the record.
12:31
